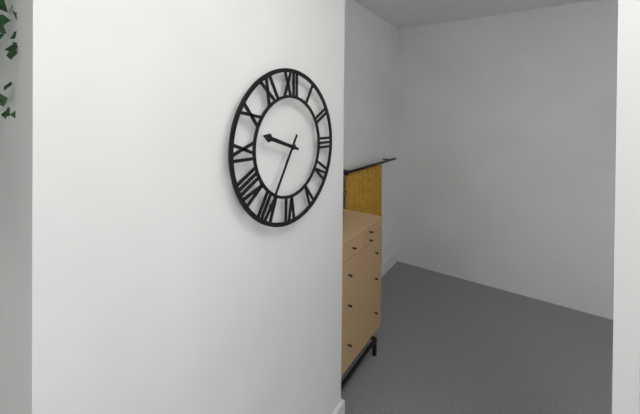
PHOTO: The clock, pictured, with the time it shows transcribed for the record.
9:35
